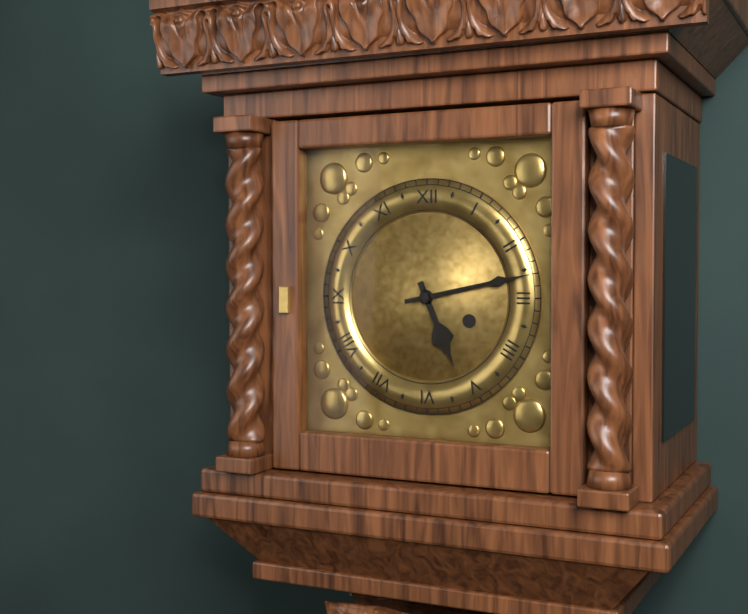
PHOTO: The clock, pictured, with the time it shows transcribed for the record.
5:13
